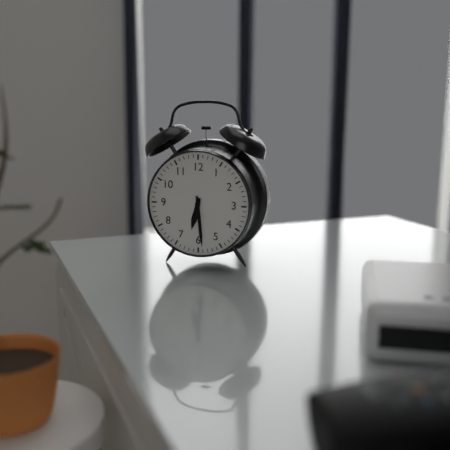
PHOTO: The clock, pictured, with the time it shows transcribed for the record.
6:29
